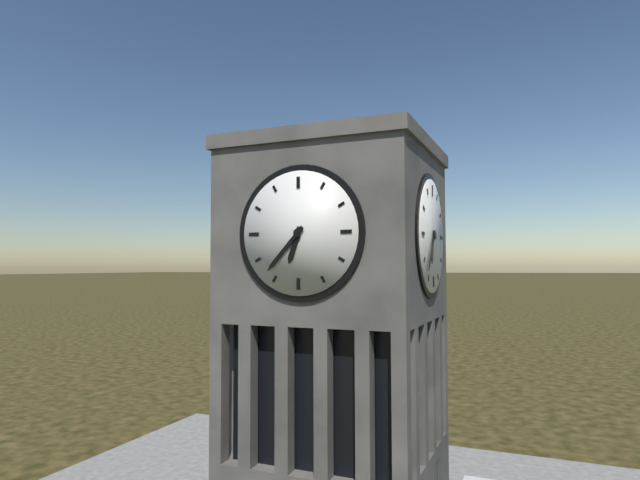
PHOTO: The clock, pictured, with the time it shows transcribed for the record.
6:37
